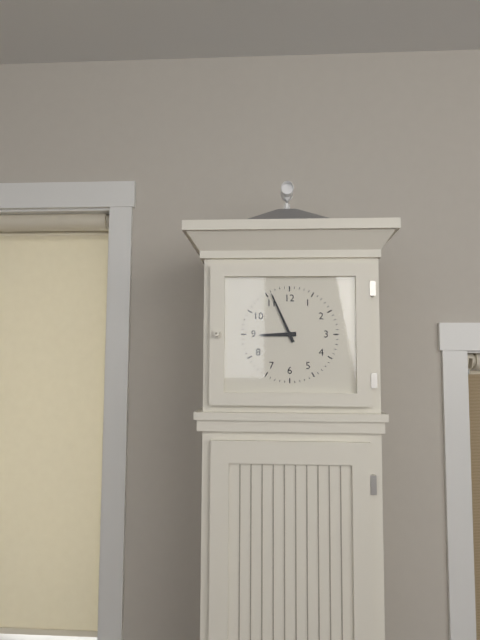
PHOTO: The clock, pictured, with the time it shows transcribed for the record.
8:56
